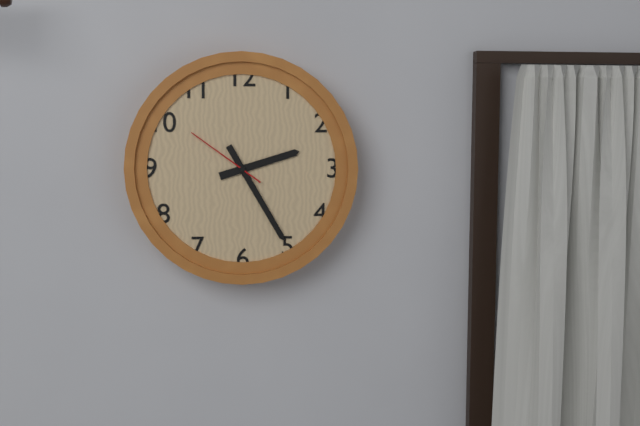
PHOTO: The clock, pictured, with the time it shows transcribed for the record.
2:25:51
